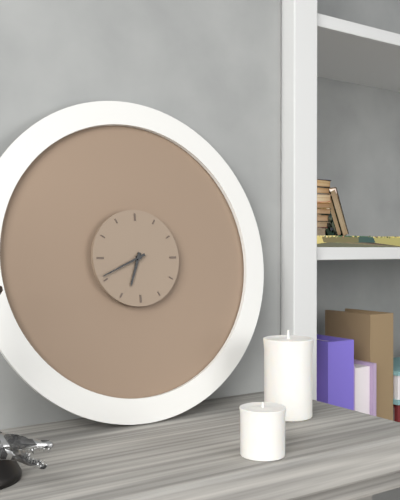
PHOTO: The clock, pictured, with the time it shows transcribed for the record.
6:41
